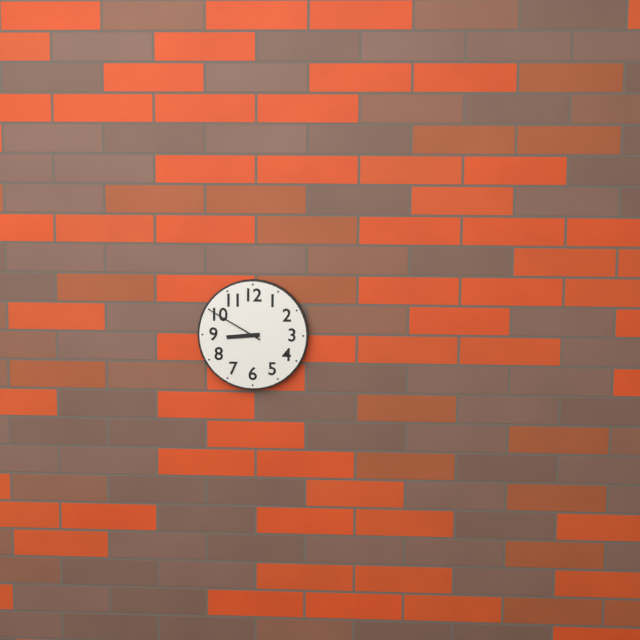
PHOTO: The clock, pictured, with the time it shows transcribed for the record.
8:50
